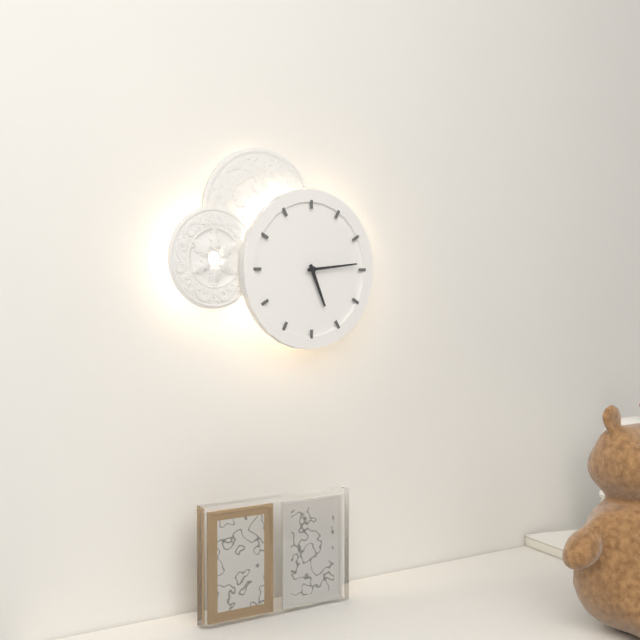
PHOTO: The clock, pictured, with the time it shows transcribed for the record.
5:14
